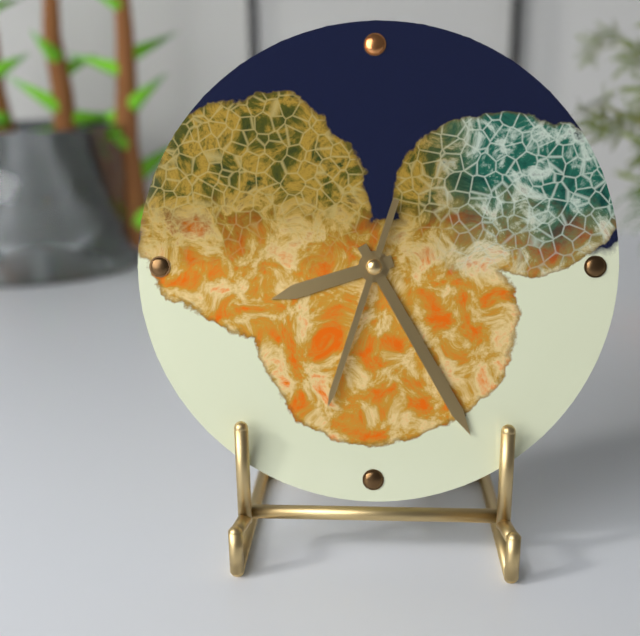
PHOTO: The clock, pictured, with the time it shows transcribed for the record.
8:25:33
